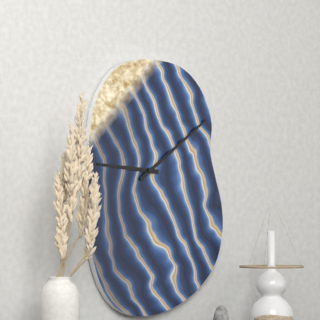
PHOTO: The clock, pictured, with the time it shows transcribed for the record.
9:09
